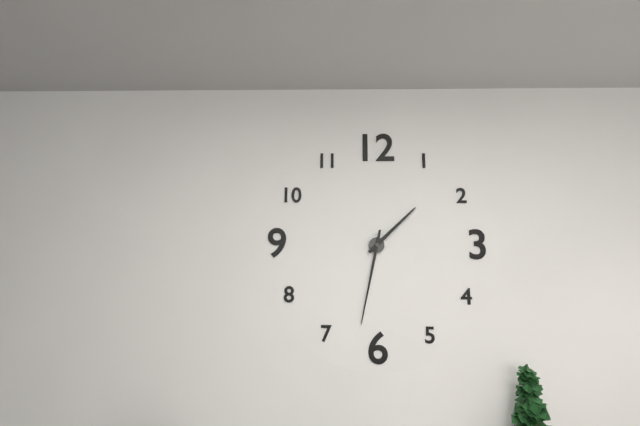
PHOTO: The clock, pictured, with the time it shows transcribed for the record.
1:32
